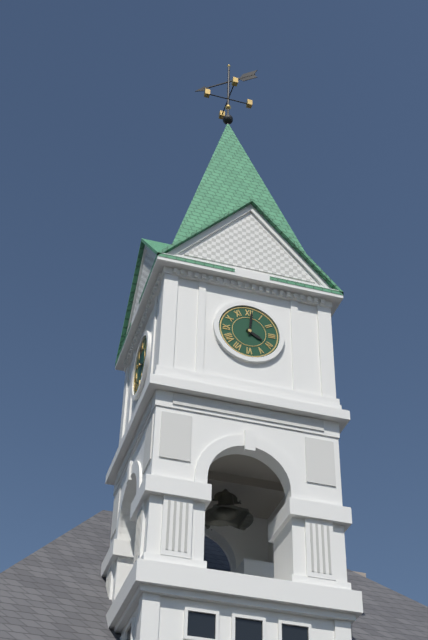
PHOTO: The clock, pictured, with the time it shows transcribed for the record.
4:01
